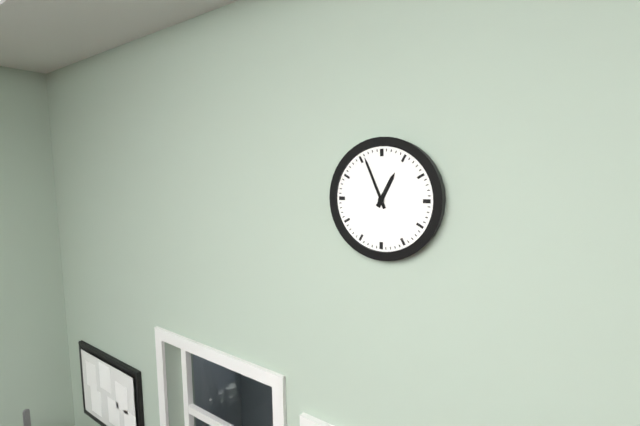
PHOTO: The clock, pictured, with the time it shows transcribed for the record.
12:56
